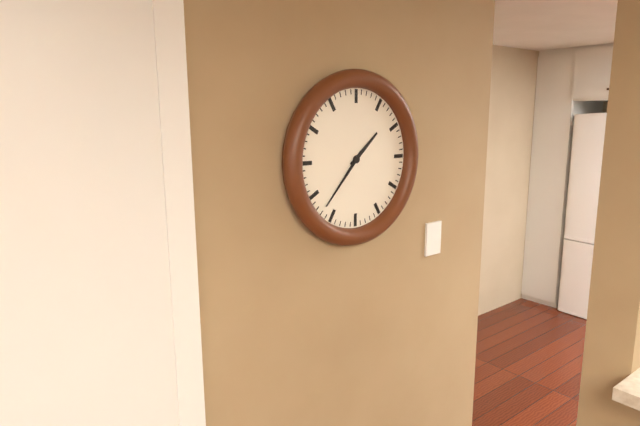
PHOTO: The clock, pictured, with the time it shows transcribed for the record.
1:37
